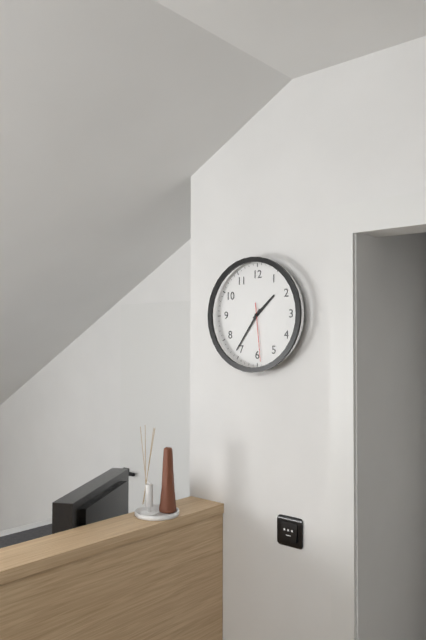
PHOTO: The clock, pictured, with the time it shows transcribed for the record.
1:36:29
